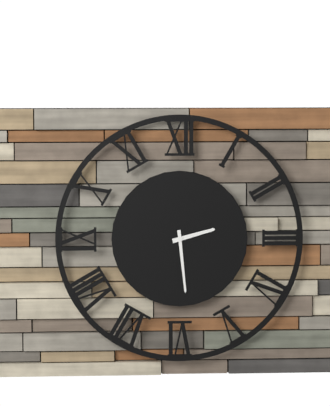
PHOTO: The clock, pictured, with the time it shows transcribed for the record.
2:29
